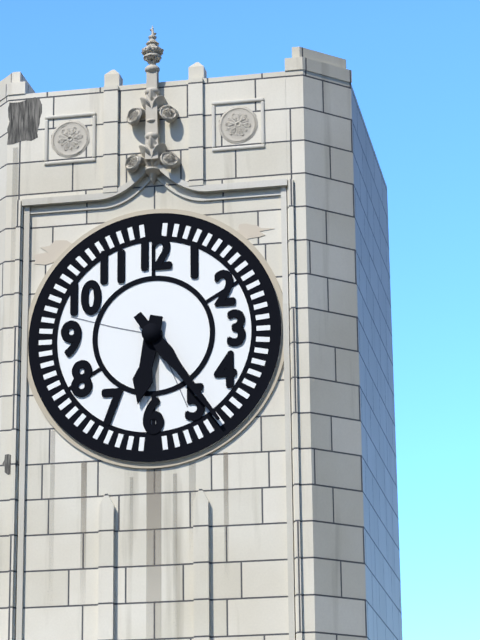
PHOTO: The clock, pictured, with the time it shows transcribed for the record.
6:24
